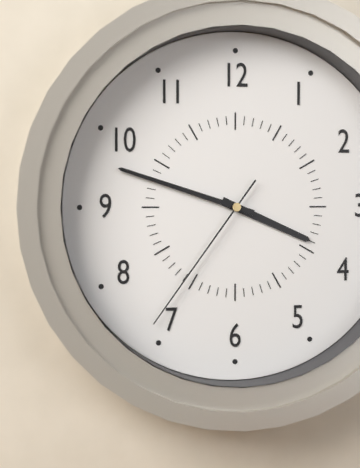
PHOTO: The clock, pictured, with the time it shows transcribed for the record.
3:48:36
